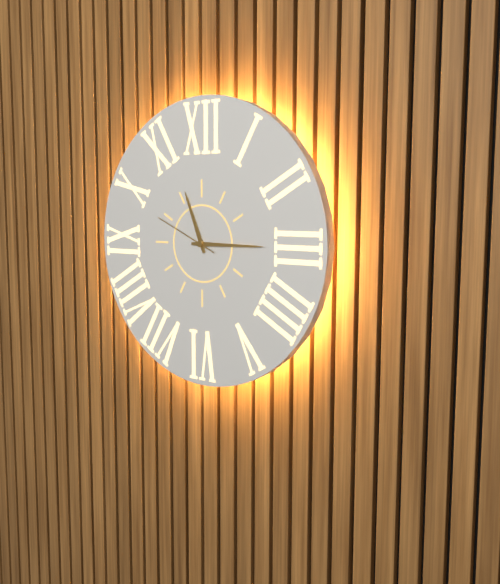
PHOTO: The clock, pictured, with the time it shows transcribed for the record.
11:15:49
